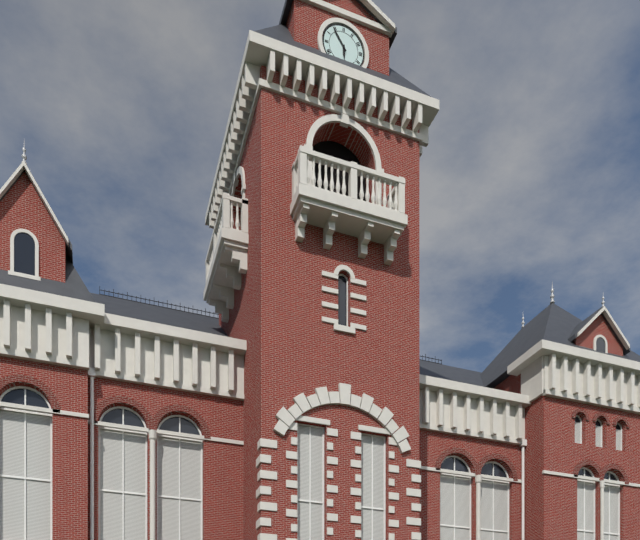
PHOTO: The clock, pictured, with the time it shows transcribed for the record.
5:54
